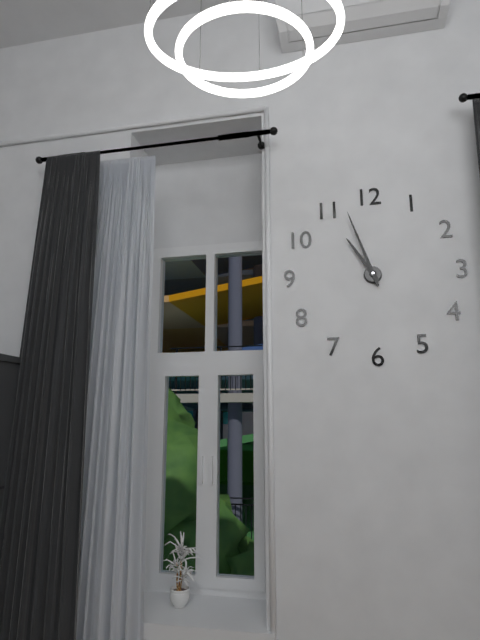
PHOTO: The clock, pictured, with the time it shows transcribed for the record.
10:57
